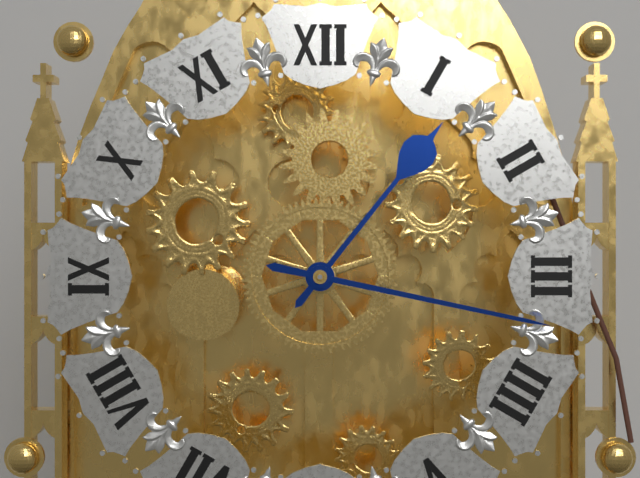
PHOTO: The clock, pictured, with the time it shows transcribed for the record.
1:17
